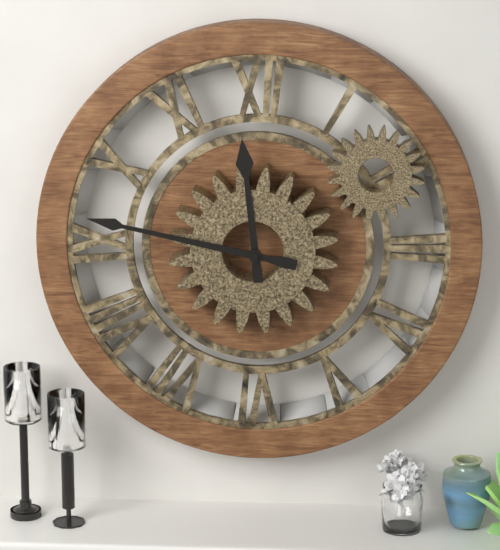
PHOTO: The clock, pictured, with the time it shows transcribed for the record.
11:47
